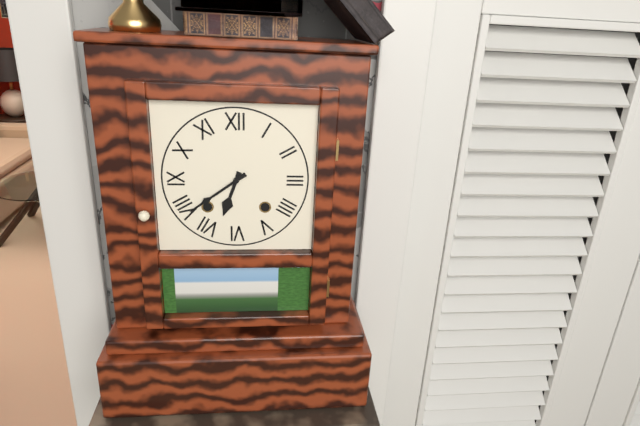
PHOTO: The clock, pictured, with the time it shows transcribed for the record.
6:39
